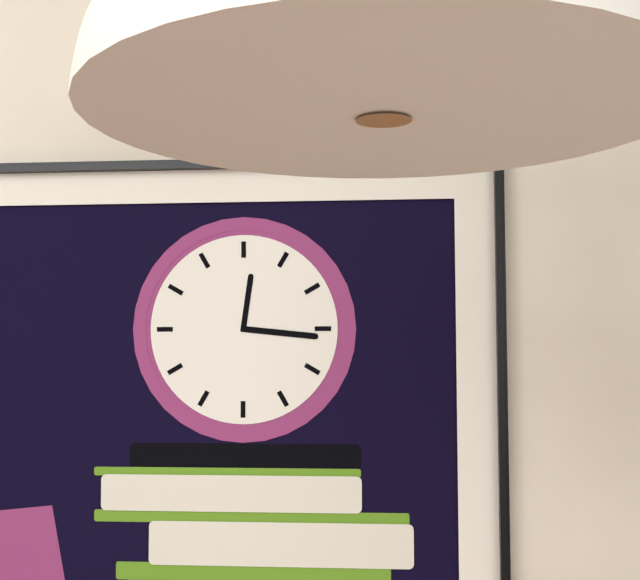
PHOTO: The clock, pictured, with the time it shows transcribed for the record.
12:16
